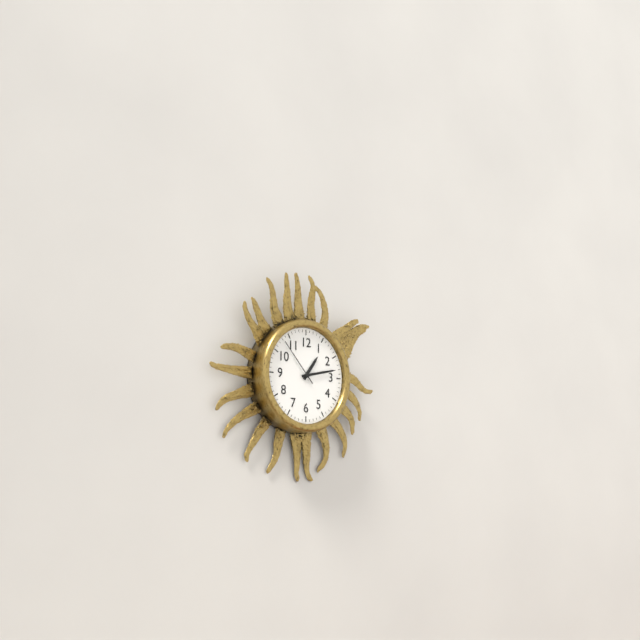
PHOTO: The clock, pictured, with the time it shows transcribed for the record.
1:13:53
